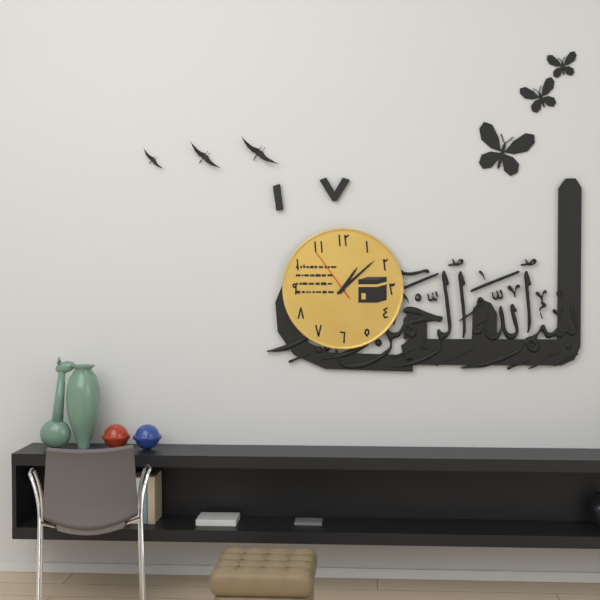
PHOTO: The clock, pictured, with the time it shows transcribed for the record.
1:08:54
